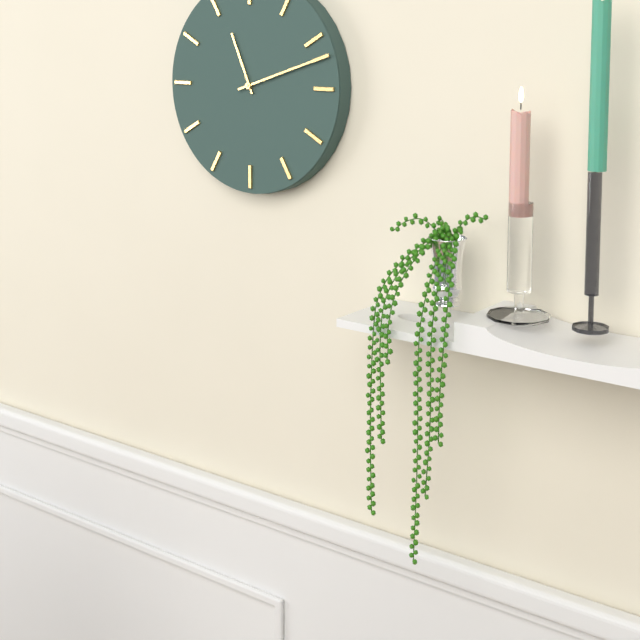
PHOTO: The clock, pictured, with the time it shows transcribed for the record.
11:12
